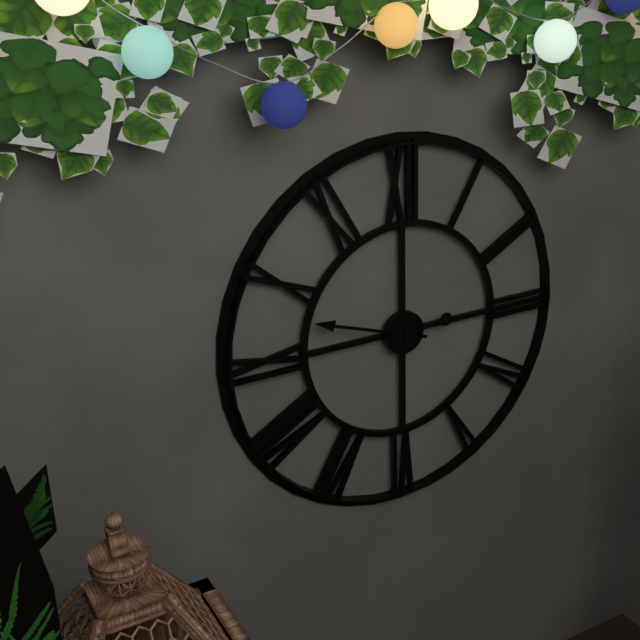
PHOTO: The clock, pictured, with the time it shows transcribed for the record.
2:48
